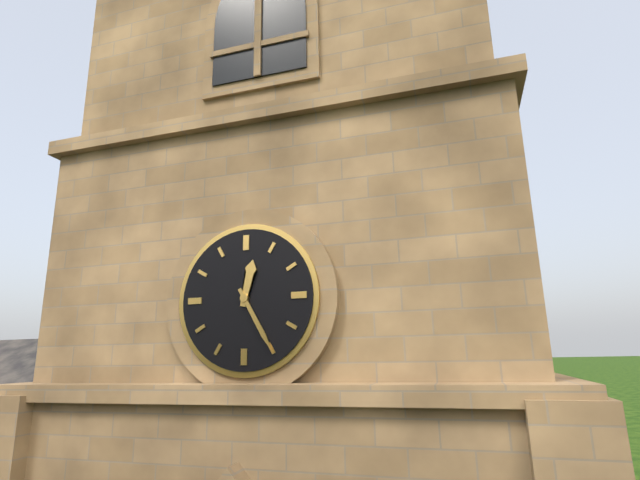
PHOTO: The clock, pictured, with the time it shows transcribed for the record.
12:25
